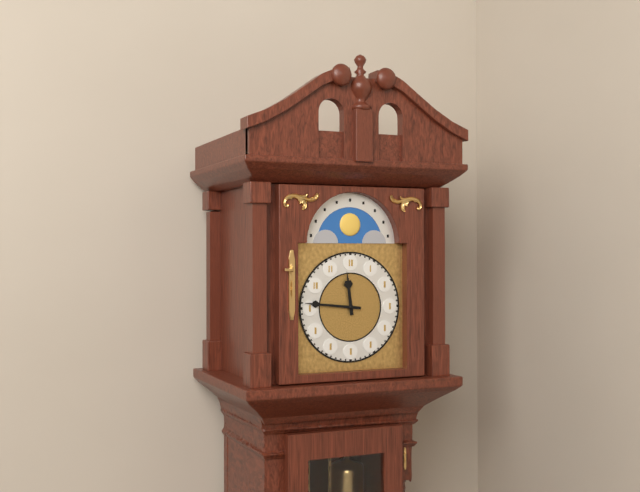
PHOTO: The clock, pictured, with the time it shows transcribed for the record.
11:46
